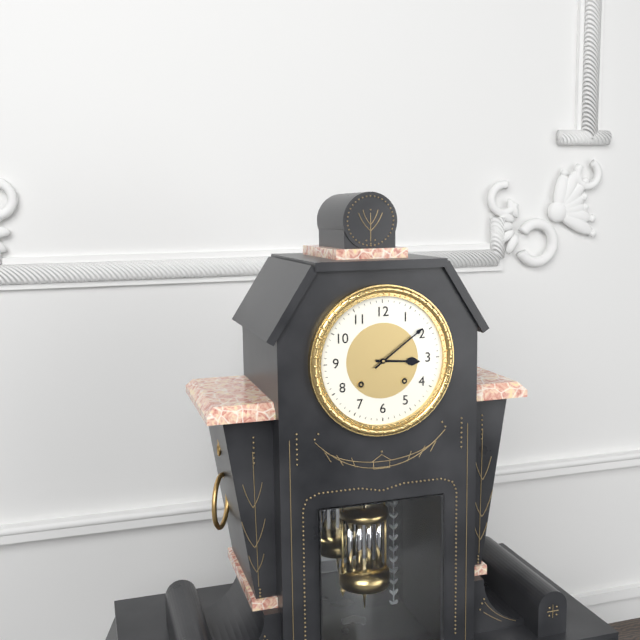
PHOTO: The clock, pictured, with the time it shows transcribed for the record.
3:09
